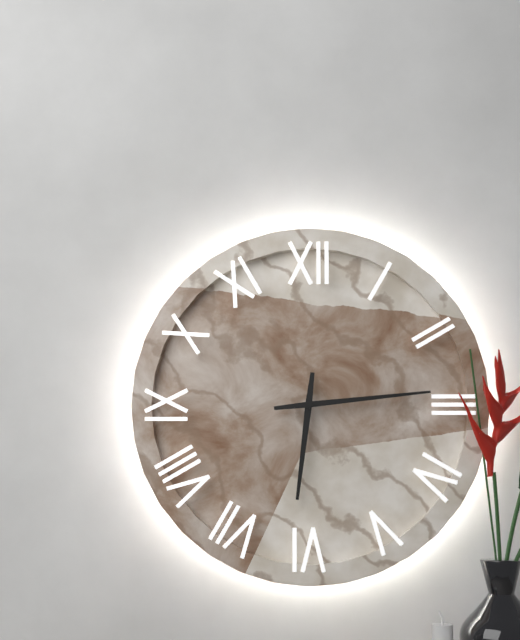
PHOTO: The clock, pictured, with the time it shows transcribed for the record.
6:14
